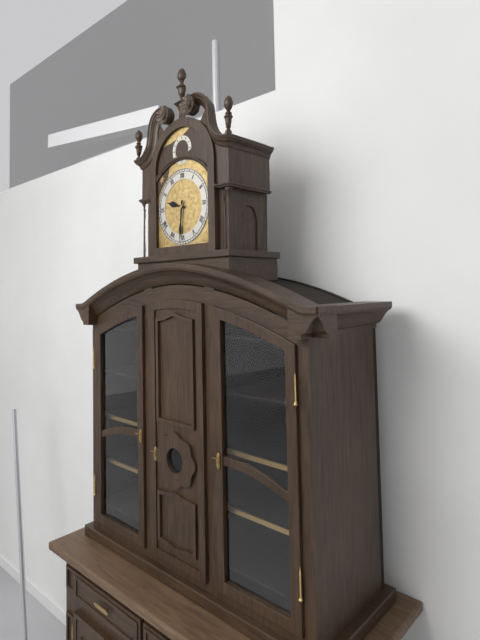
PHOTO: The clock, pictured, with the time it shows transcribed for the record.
9:31
